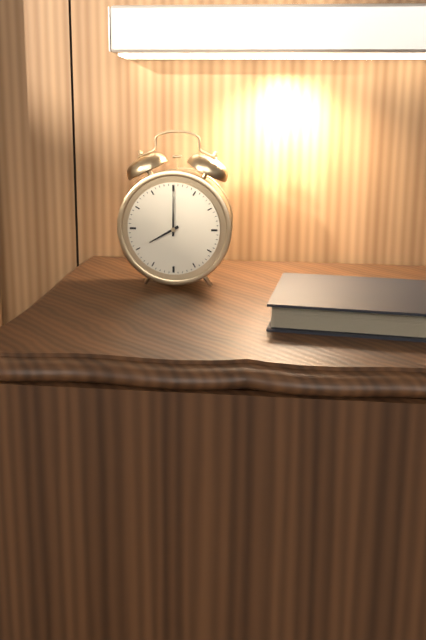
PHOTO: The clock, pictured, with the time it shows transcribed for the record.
8:00
